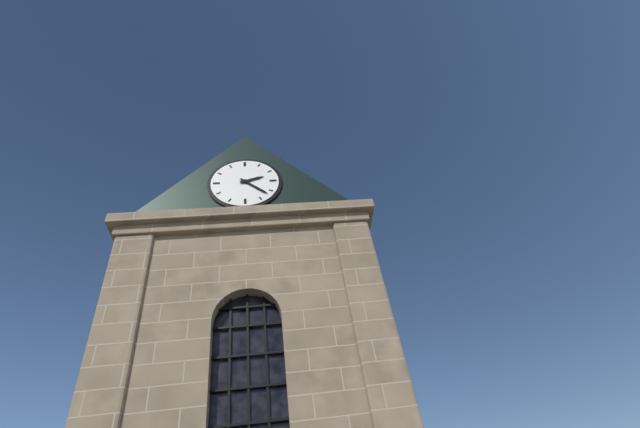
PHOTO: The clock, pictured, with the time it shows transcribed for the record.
2:22
